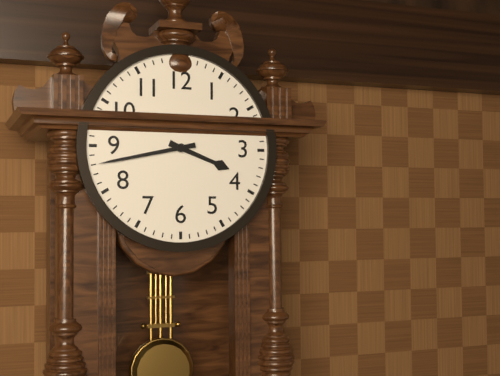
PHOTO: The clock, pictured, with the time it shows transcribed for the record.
3:43
